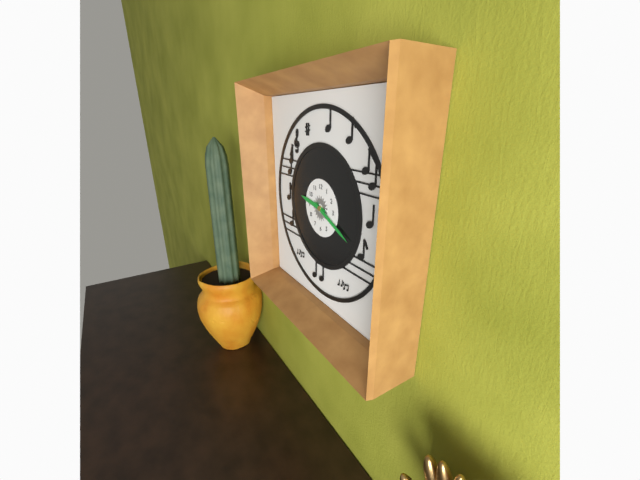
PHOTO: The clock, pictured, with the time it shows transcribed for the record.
9:19
